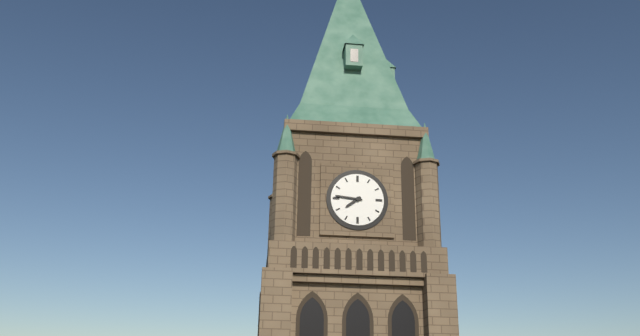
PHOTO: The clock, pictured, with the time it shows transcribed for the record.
7:46
